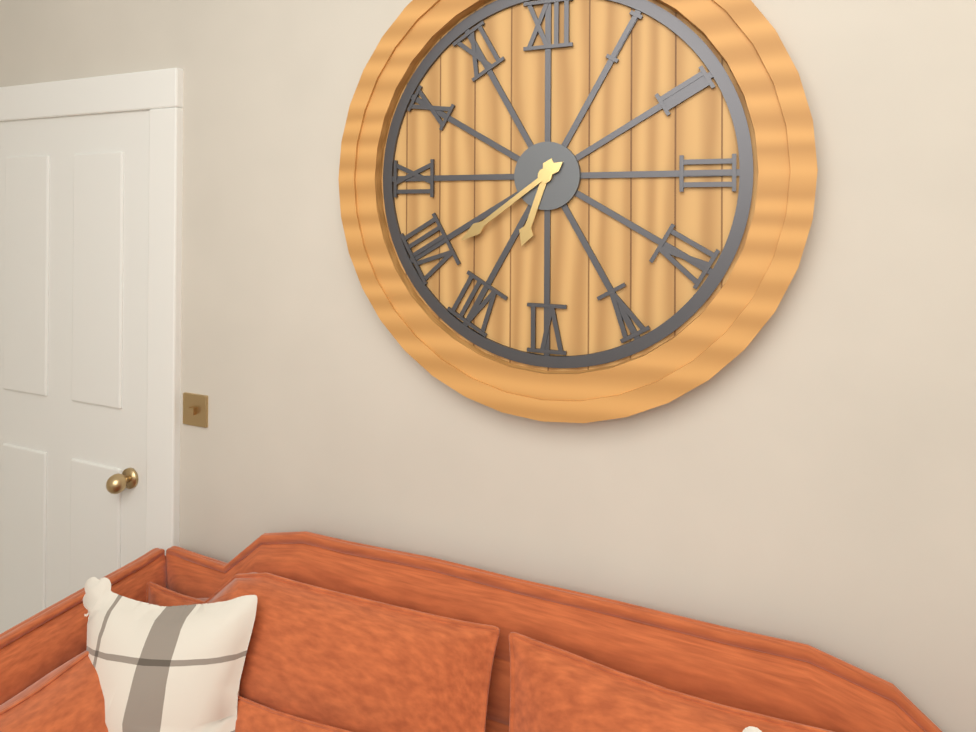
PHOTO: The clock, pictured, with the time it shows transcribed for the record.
6:39
